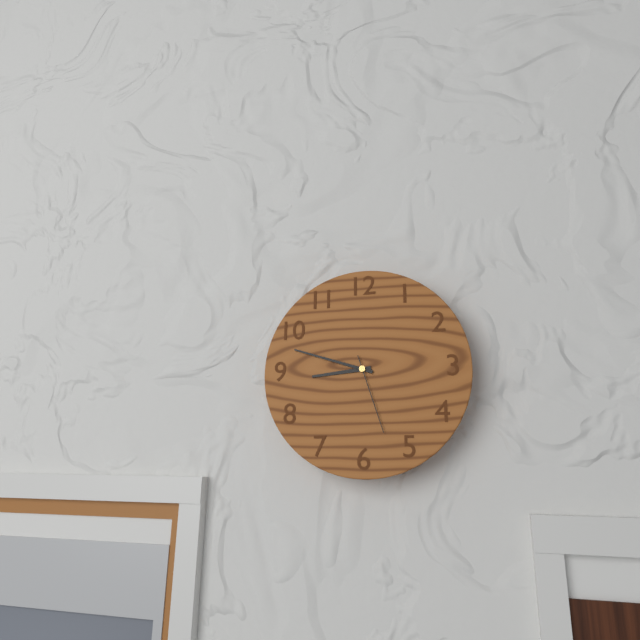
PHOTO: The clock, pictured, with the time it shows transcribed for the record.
8:48:27
